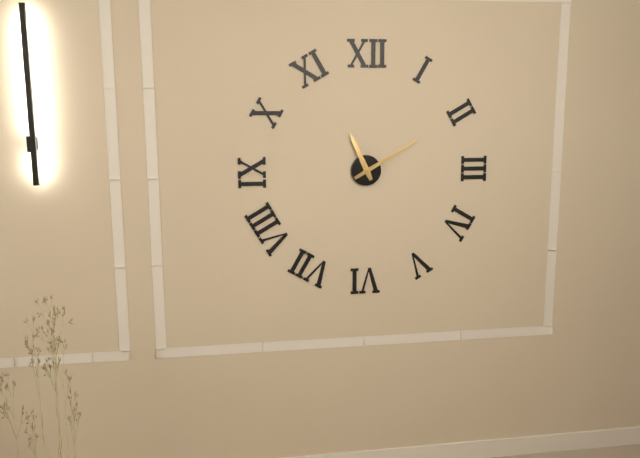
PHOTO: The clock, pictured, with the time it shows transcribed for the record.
11:10
